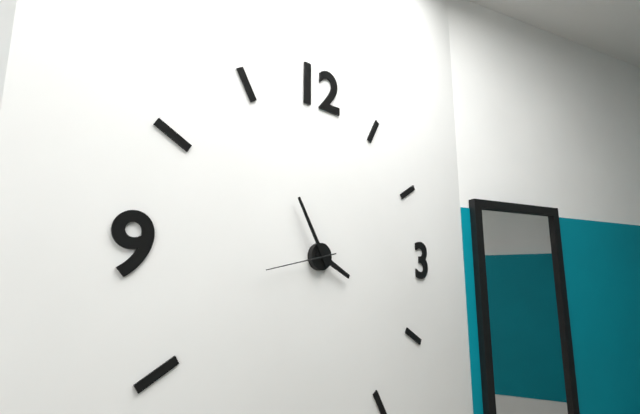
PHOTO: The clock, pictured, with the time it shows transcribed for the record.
3:55:43
